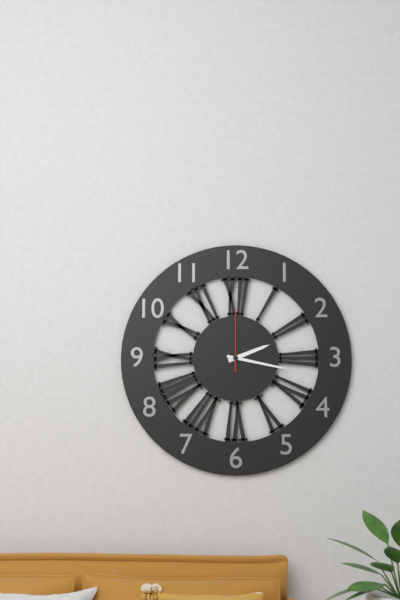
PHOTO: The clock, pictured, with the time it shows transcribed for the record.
2:17:00
